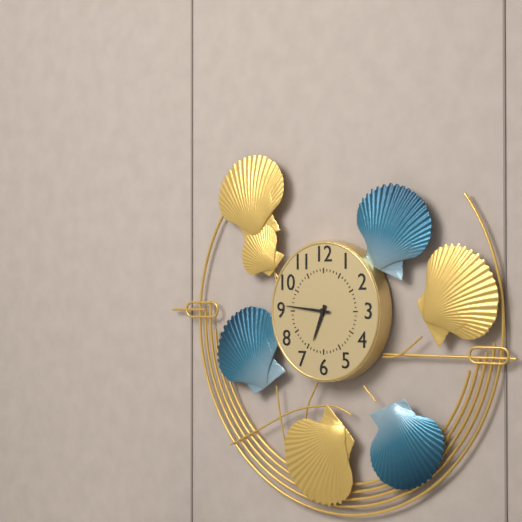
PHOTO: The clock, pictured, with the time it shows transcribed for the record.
6:46
